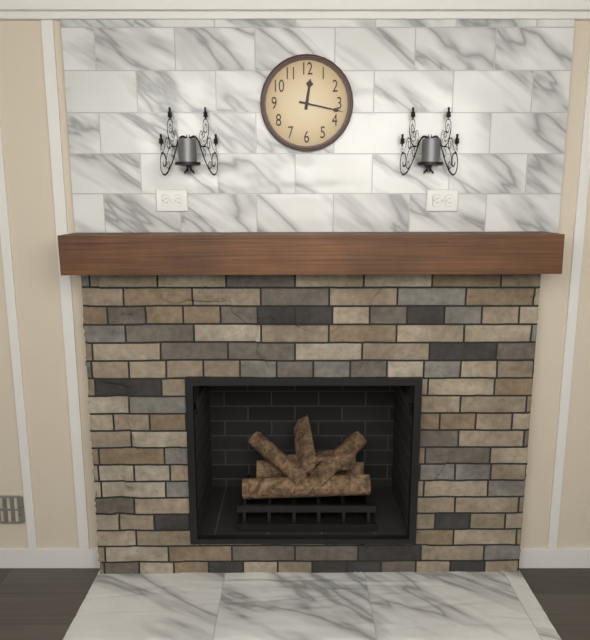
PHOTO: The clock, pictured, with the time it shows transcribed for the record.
12:17
